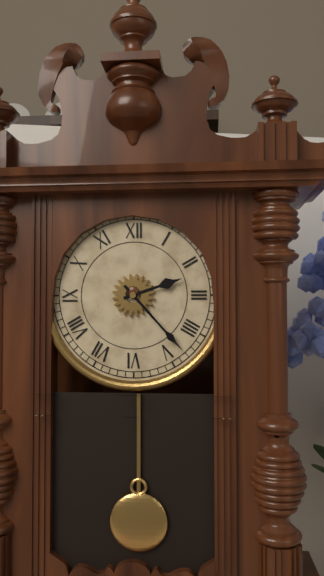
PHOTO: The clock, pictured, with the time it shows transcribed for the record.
2:23
